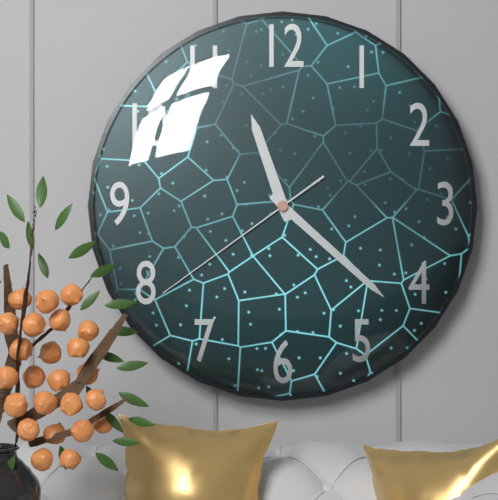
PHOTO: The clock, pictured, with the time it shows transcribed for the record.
11:22:39
